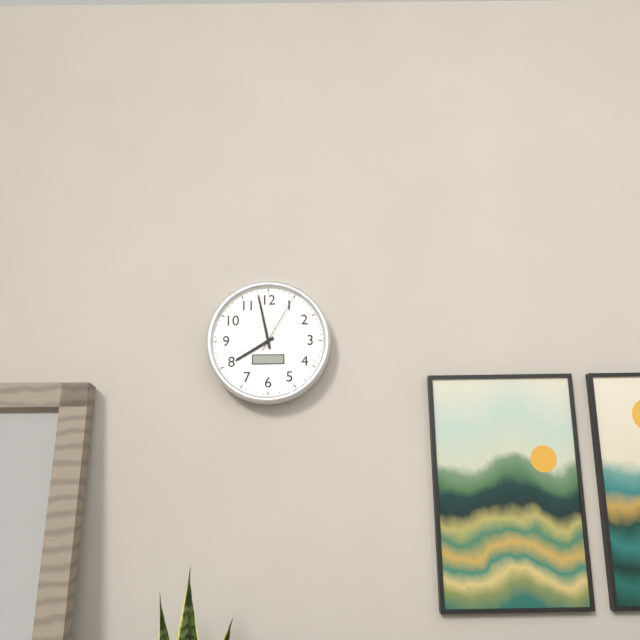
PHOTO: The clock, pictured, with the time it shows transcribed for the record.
7:58:05
